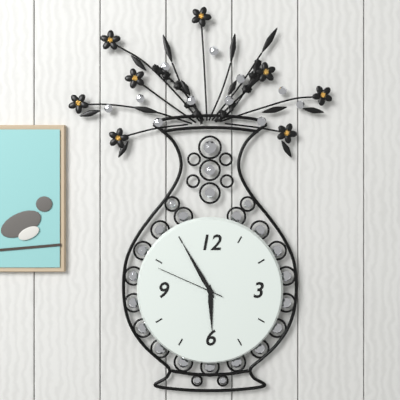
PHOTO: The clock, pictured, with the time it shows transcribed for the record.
5:55:49
